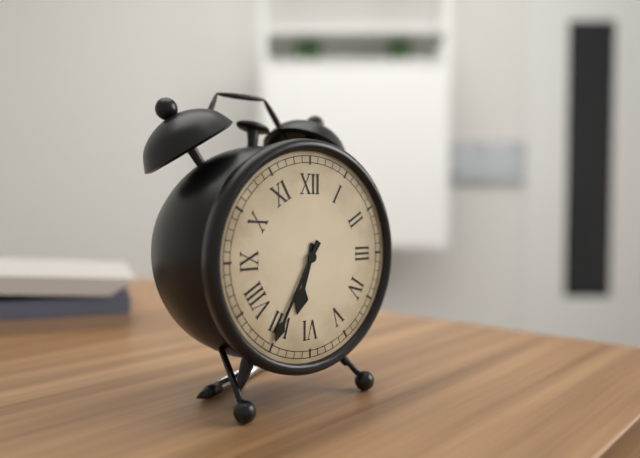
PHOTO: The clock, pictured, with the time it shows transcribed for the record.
6:35
